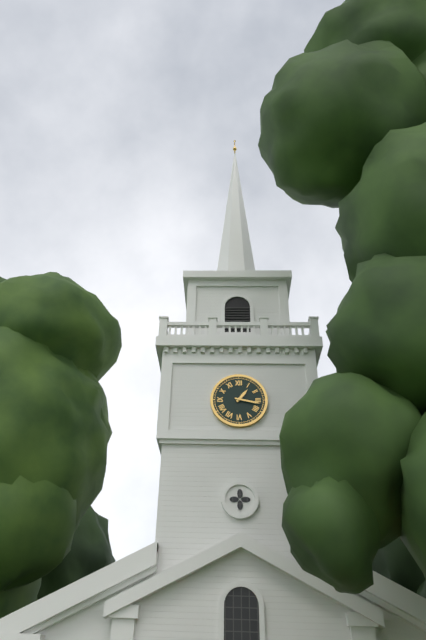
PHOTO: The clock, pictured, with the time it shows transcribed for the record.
1:17
